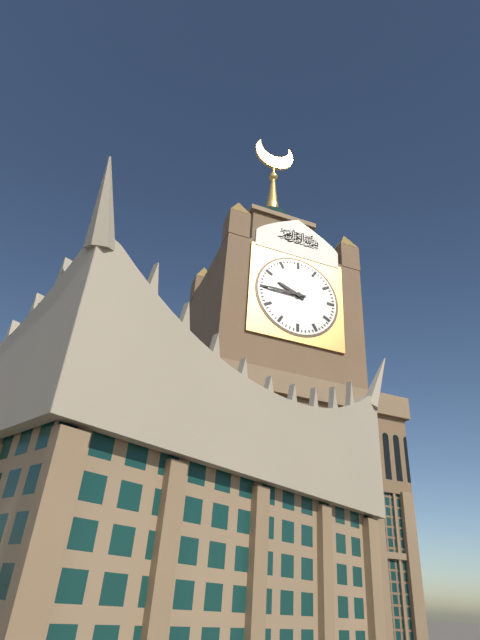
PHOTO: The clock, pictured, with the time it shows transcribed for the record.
9:45
